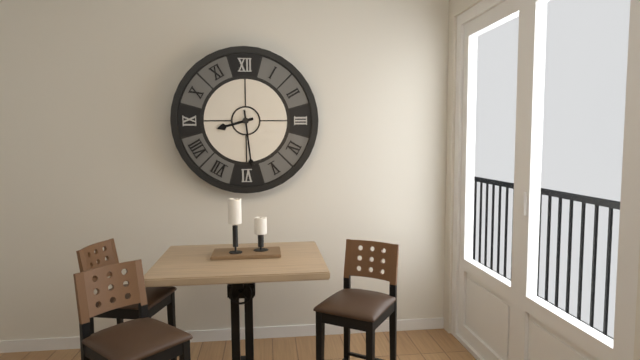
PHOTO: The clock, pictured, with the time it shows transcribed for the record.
8:29
